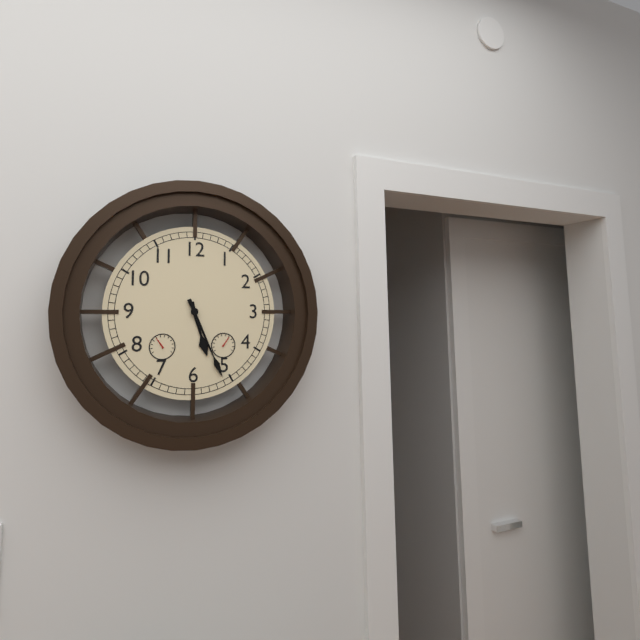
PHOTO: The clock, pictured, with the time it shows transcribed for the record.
5:26
